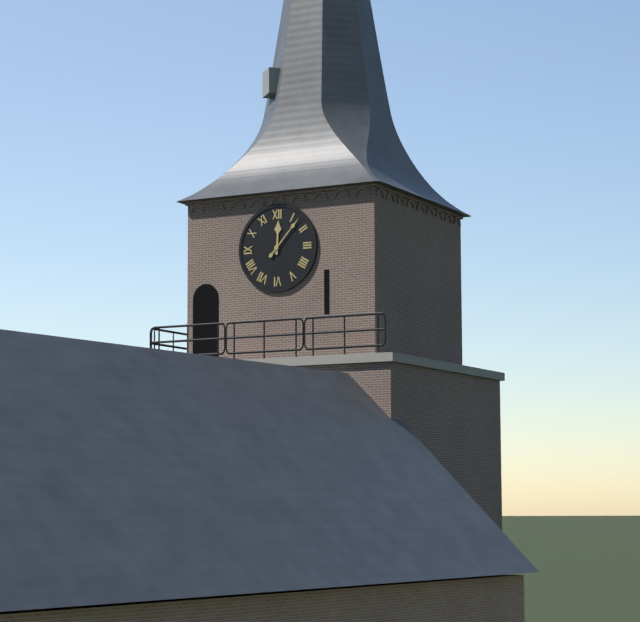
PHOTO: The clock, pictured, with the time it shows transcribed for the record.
12:07
